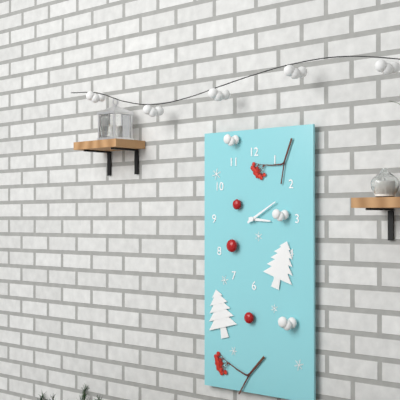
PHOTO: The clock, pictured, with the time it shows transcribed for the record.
3:10
